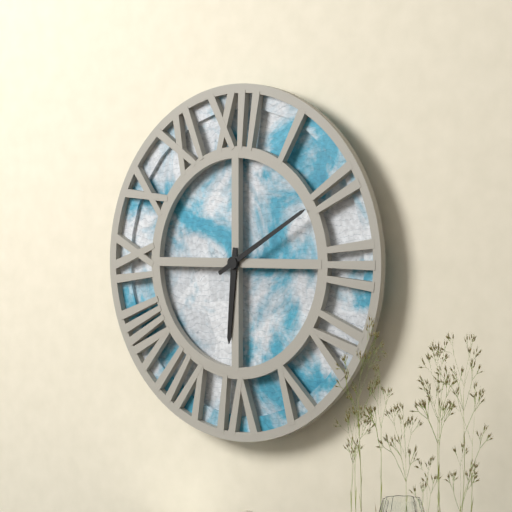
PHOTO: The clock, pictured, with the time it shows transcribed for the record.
6:10
